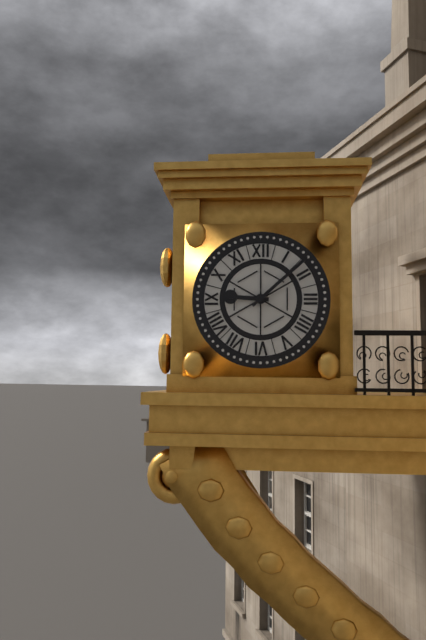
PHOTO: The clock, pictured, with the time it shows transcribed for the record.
9:08
